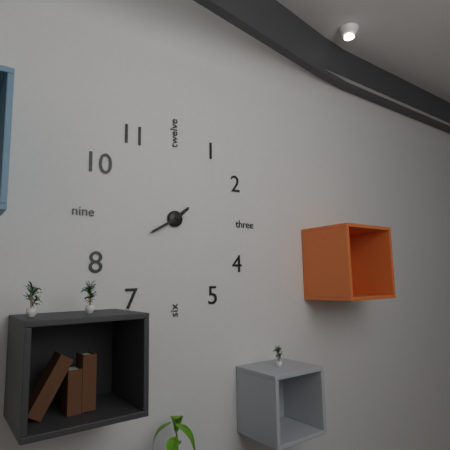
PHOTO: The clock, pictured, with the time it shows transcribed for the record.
1:40
